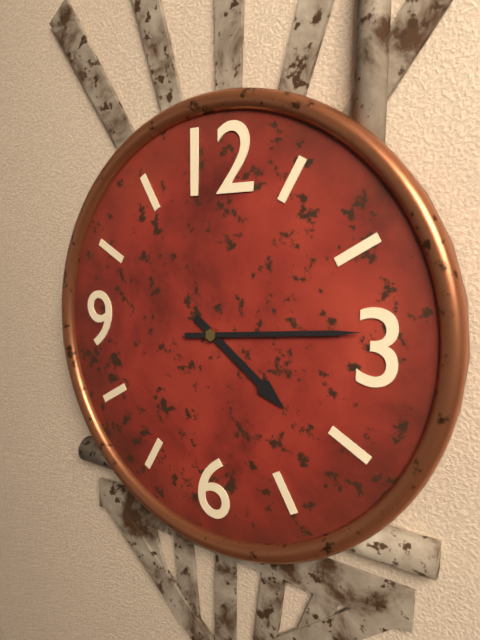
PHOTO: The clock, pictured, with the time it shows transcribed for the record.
4:14
